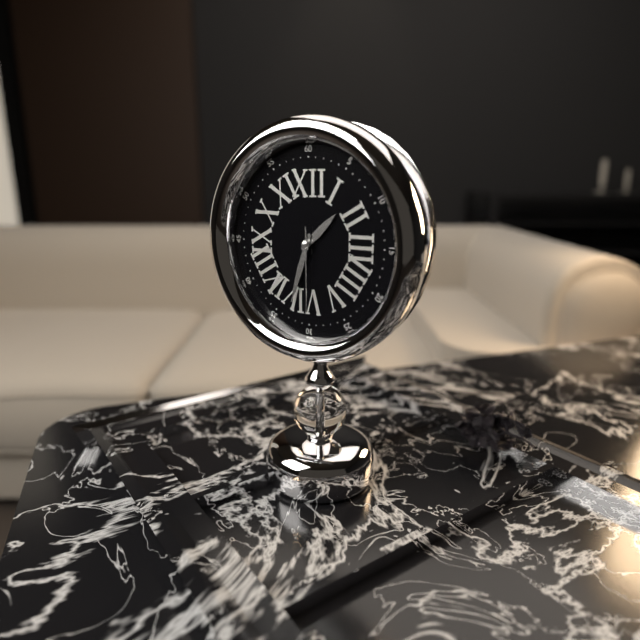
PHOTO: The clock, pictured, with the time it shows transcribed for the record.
1:33:30
